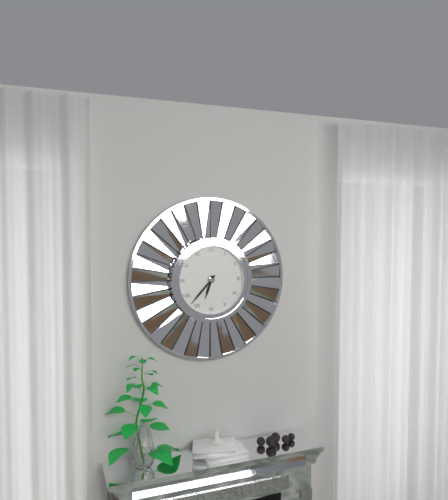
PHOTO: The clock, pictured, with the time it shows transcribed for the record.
6:37
